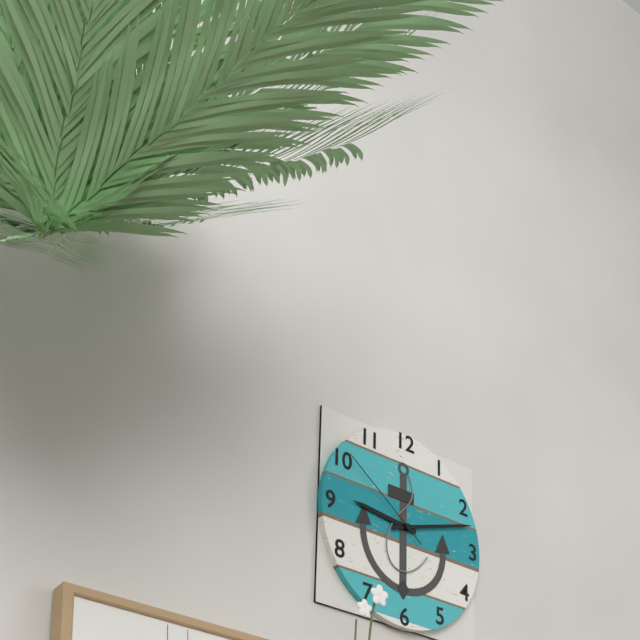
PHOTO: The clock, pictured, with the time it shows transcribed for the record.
9:12:51
